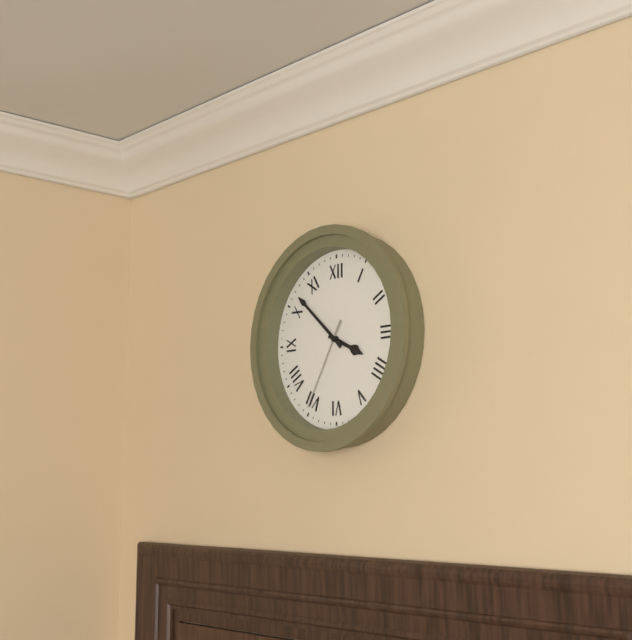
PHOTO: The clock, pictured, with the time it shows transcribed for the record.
3:52:35
